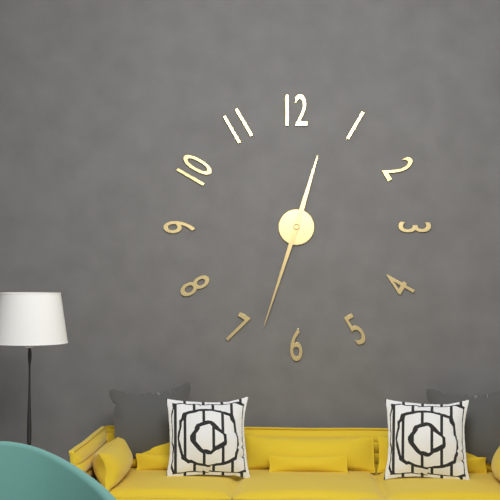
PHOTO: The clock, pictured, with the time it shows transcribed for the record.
12:33
